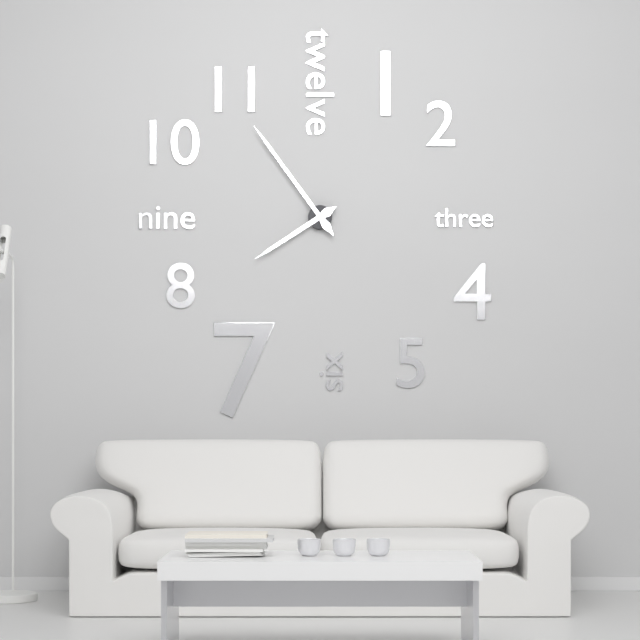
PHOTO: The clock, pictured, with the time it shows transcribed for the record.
7:54
